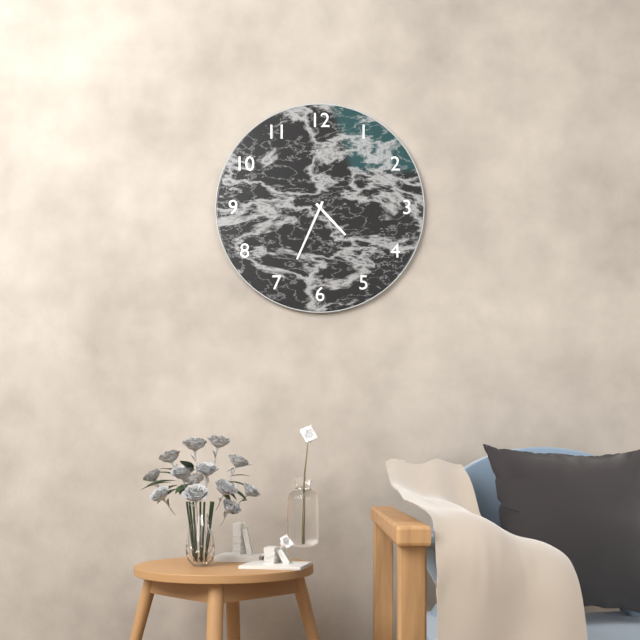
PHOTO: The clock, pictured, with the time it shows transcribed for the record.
4:34
